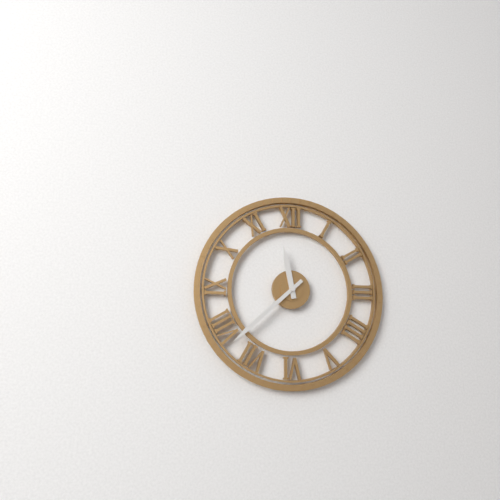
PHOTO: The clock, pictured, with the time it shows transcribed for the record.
11:38
